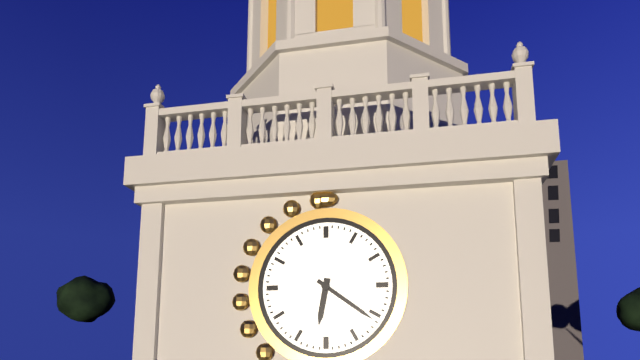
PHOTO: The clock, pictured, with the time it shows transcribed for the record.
6:21
